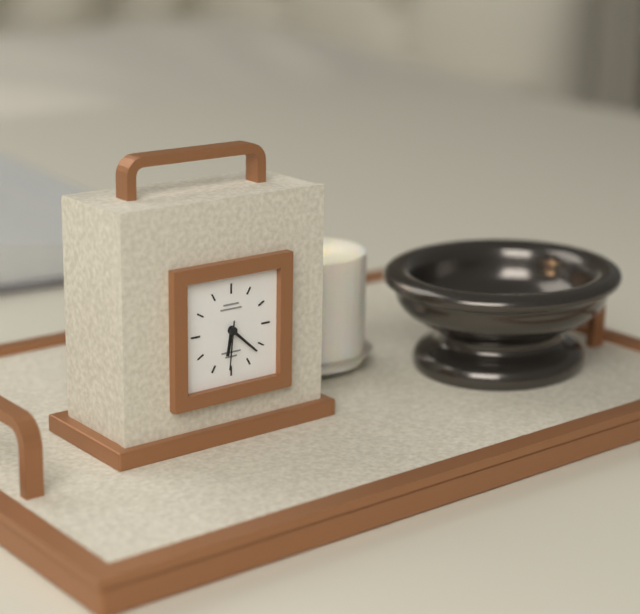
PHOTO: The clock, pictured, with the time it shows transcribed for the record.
6:22:31
